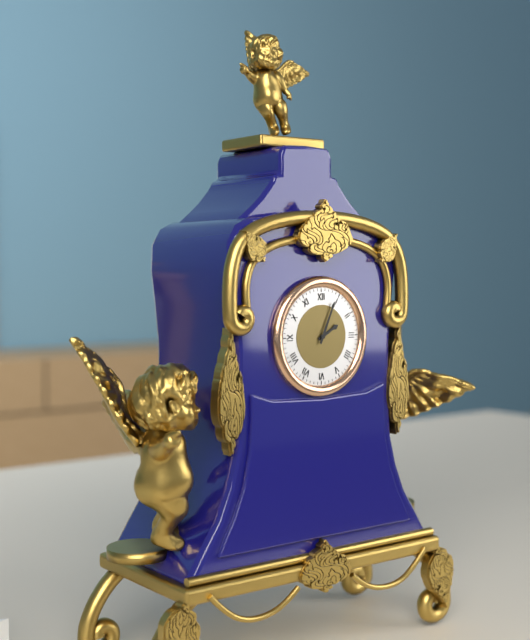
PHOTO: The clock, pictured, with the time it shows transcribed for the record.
2:04
